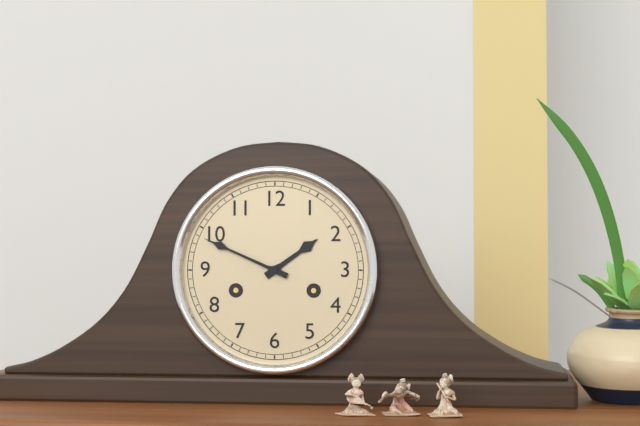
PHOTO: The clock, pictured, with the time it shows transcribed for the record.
1:49
